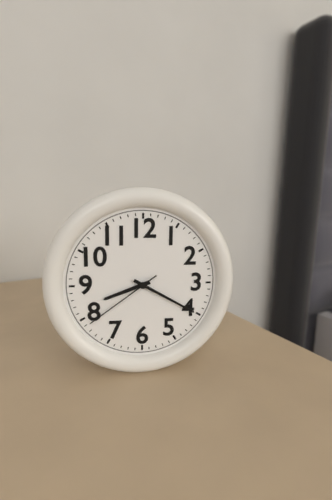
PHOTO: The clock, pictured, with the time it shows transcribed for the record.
8:20:39
